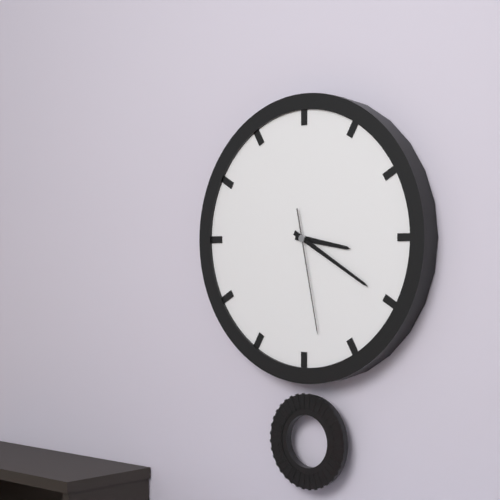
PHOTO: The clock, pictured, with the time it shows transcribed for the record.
3:20:28
